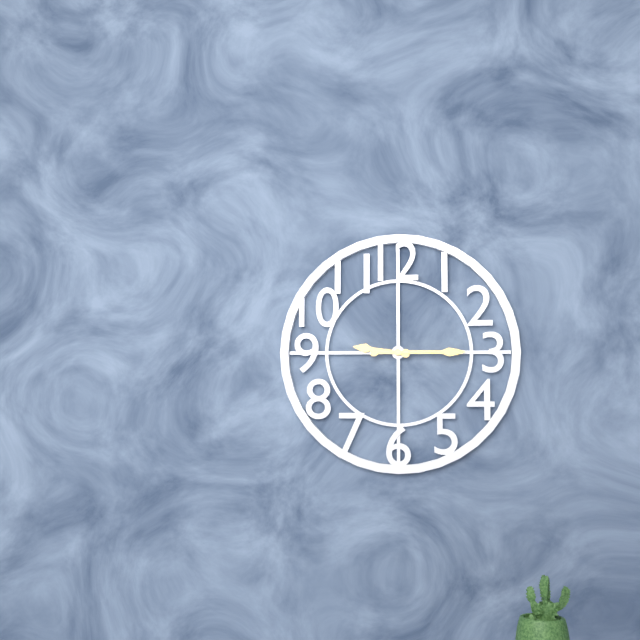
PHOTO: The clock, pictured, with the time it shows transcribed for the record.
9:15
